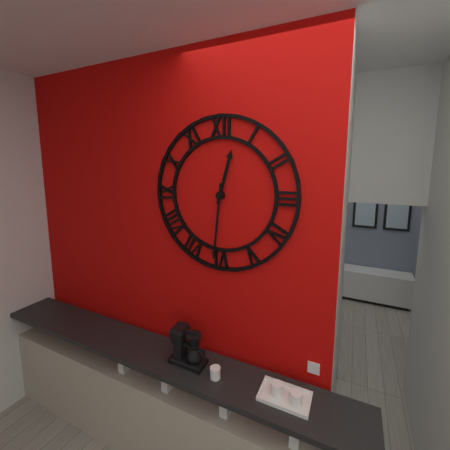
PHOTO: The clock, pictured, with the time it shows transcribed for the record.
12:31
